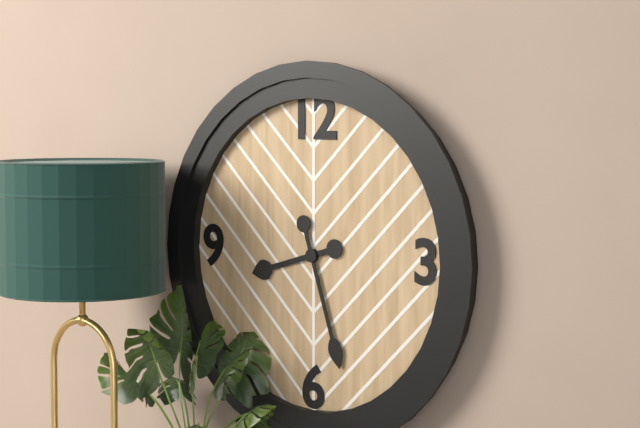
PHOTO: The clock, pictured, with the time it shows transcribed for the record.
8:27
